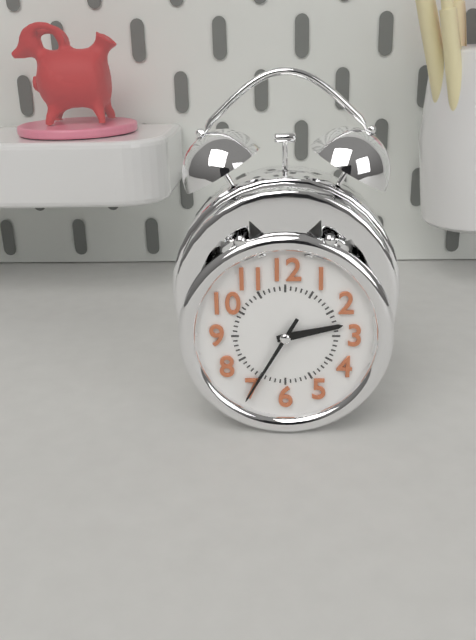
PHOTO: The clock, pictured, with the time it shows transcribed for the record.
2:35
